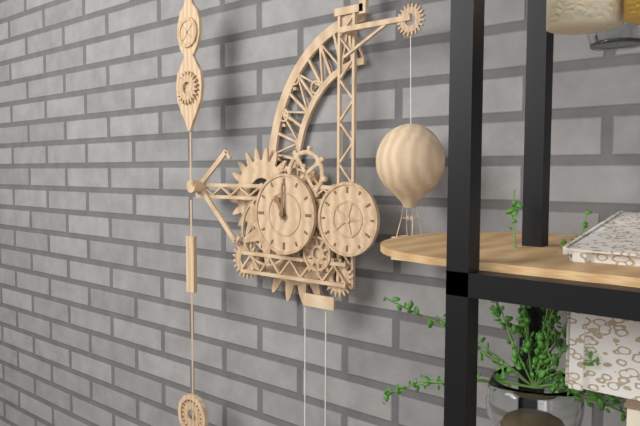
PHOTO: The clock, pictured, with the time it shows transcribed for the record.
11:00
